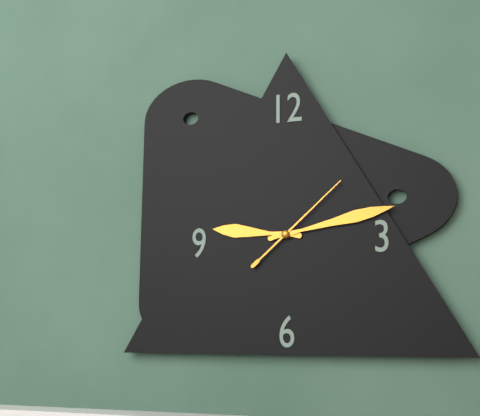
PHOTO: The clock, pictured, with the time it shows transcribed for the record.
9:13:08
